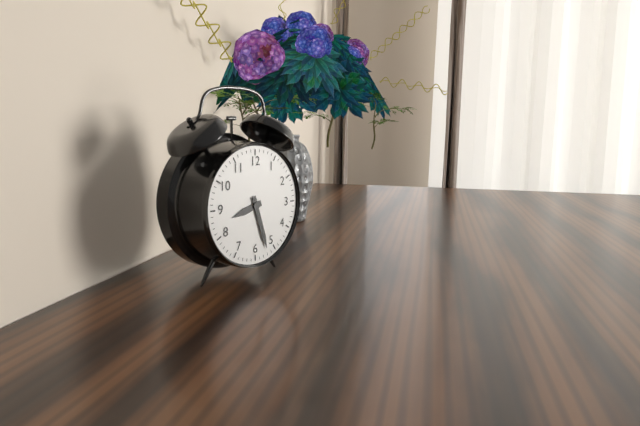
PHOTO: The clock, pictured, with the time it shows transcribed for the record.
8:27
